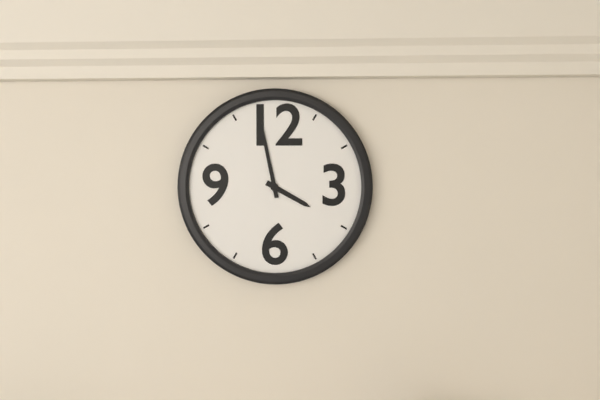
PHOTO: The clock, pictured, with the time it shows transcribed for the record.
3:58
